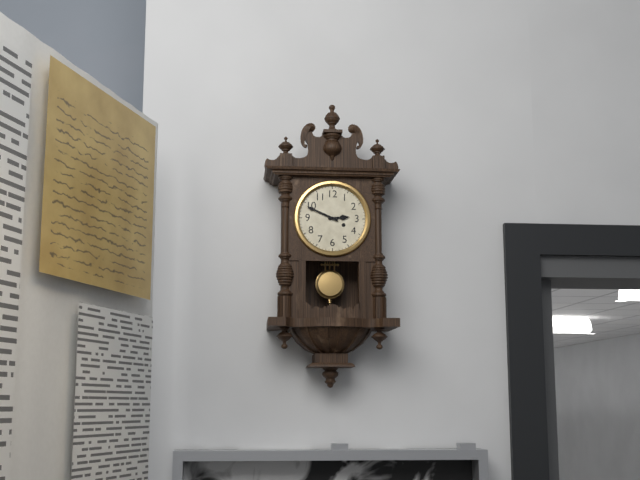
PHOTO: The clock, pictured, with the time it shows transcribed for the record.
2:49
